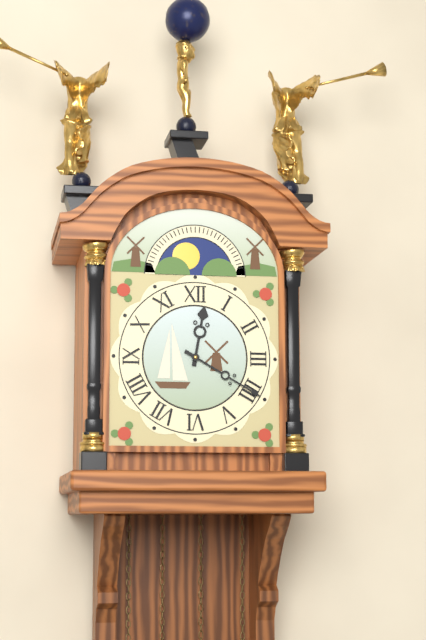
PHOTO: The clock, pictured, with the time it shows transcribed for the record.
12:20
